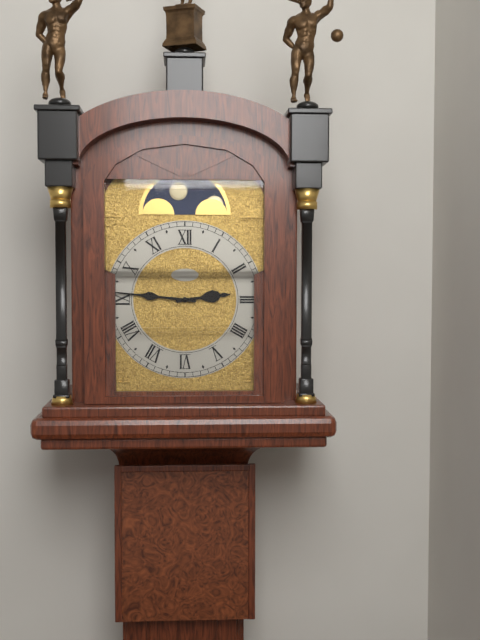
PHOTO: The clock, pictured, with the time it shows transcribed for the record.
2:46
